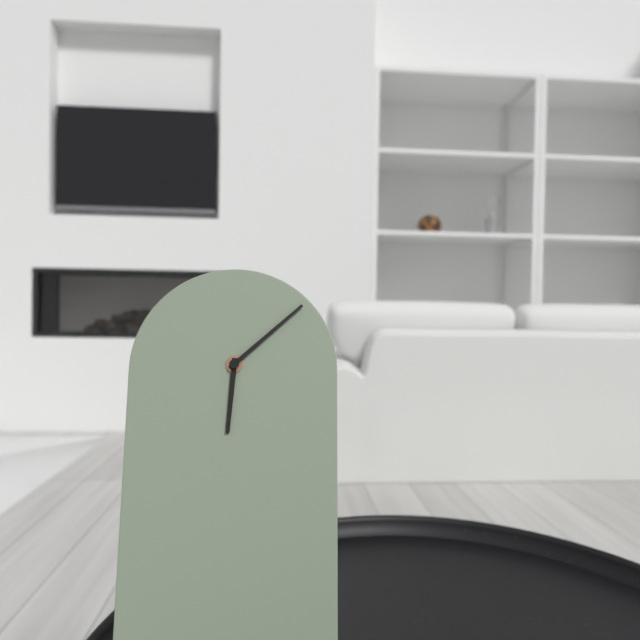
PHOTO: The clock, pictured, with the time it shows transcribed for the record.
6:08
